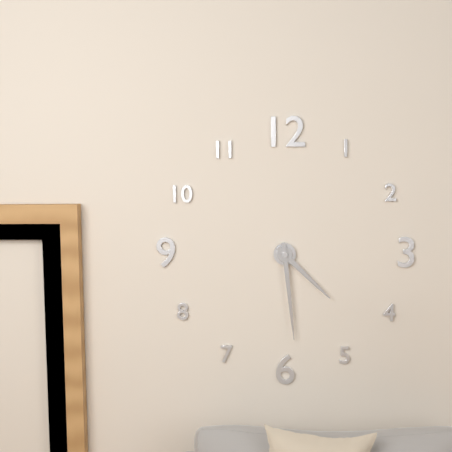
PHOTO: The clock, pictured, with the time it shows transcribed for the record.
4:29
